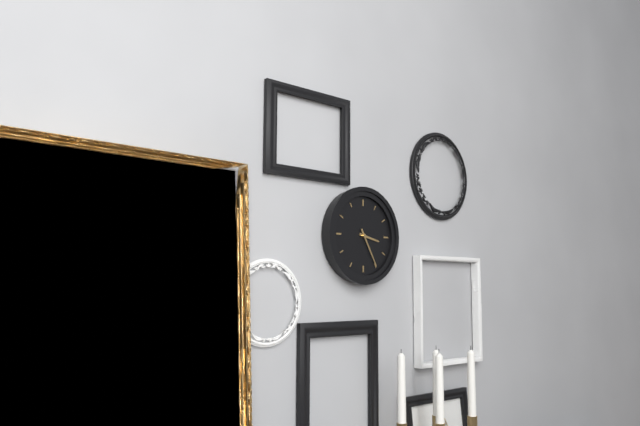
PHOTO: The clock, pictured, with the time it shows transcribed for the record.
3:25
